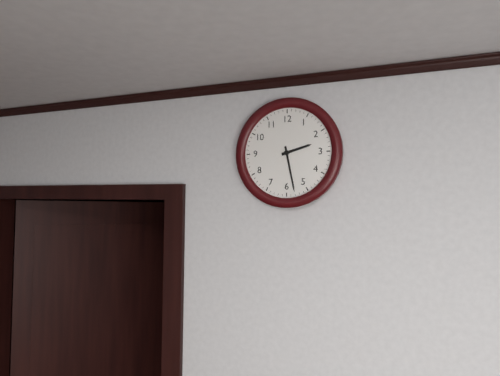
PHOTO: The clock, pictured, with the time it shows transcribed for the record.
2:28
